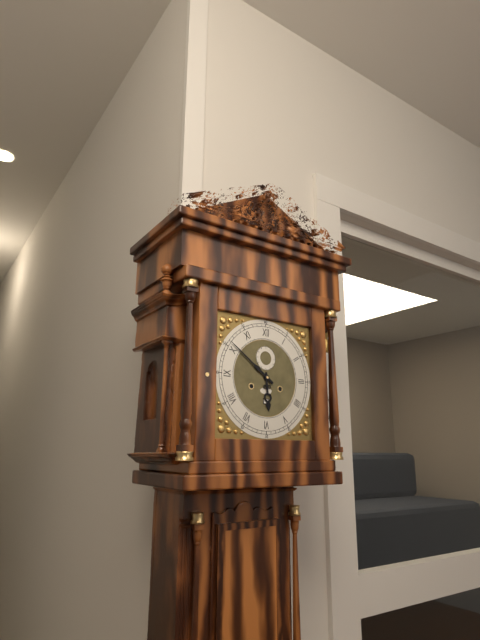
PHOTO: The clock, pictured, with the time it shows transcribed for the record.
5:51
